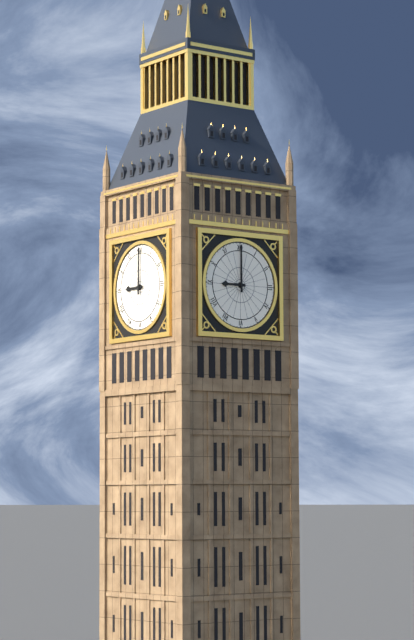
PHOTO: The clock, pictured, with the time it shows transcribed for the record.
9:00
